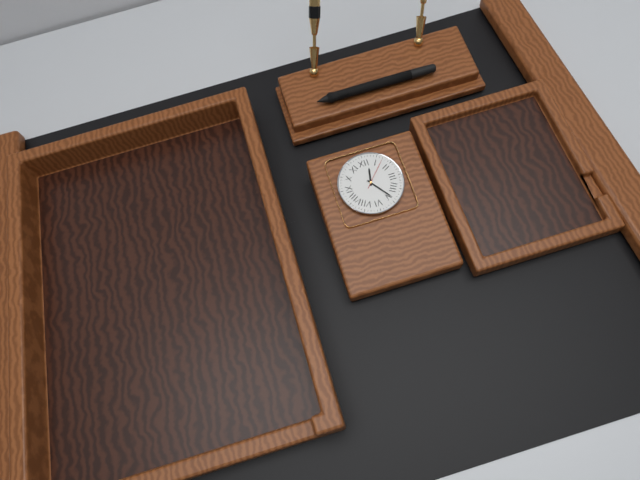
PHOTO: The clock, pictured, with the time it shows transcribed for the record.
12:24
